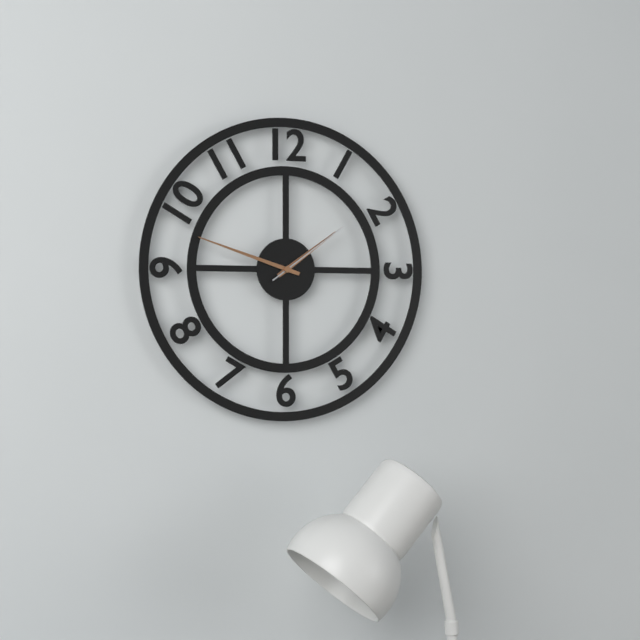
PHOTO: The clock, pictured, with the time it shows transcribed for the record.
1:48:09
